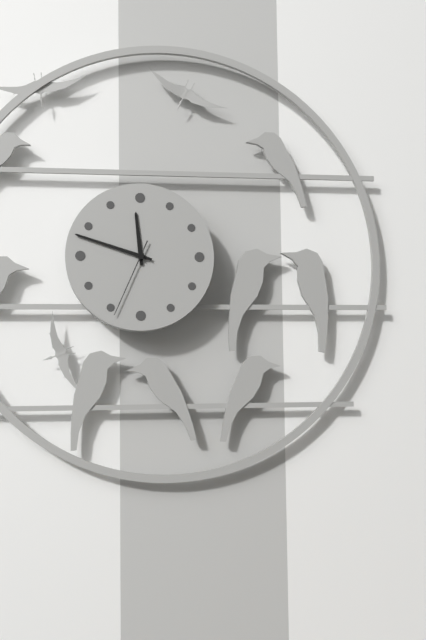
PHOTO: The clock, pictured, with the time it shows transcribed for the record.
11:48:34
